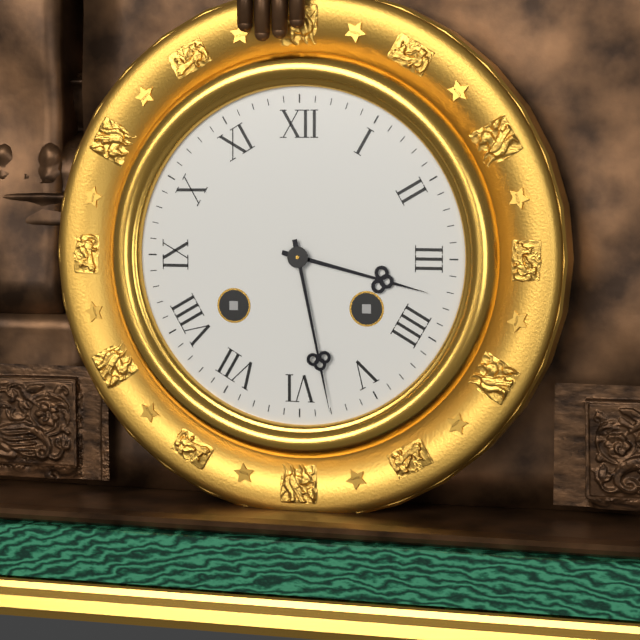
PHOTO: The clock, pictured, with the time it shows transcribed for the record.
3:28
